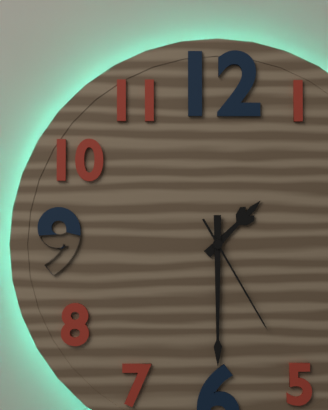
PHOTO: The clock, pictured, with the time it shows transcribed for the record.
1:30:25
